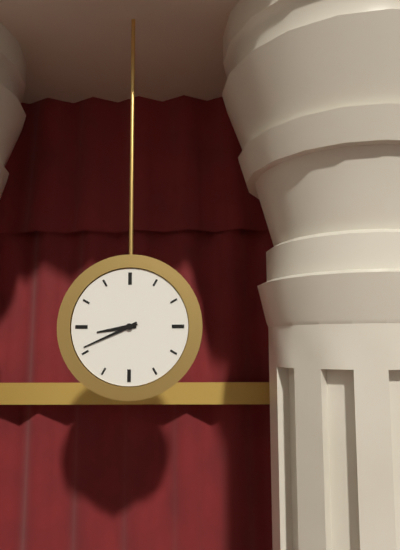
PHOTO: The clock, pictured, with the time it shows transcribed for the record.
8:41
